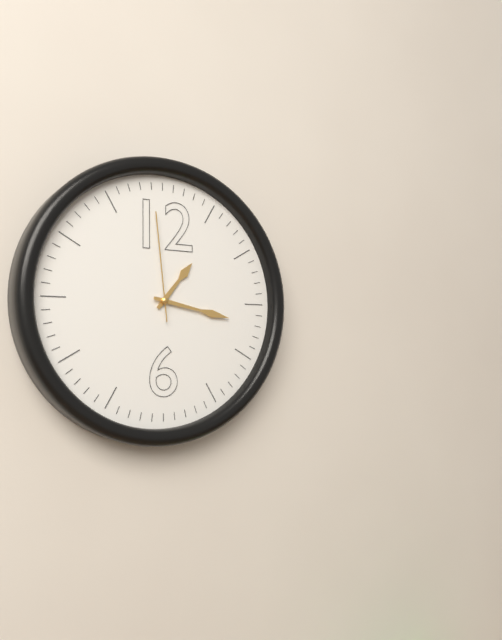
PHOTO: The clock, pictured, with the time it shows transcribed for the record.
1:17:59
